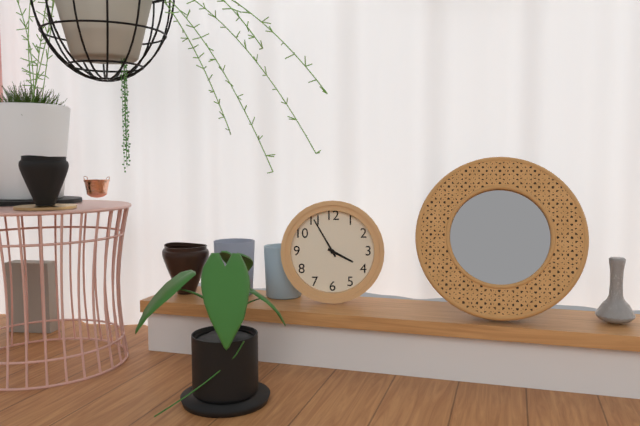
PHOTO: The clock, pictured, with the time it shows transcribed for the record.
3:55
